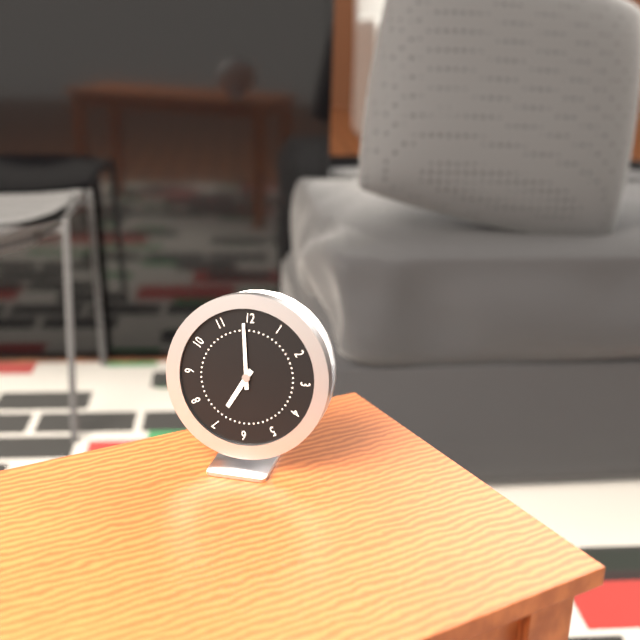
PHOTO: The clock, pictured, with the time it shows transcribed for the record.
6:59
